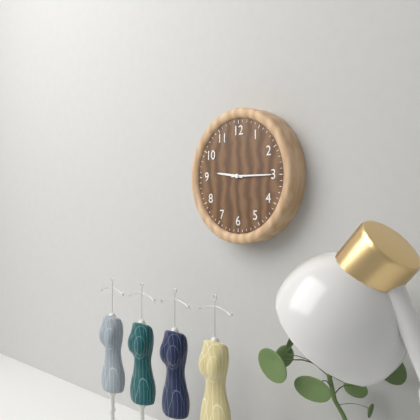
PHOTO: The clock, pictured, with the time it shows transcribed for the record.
9:15
